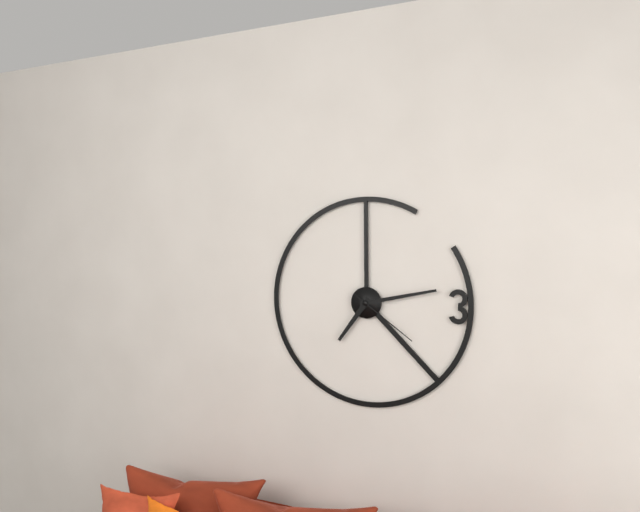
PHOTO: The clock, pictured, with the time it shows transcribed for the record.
7:13:21
